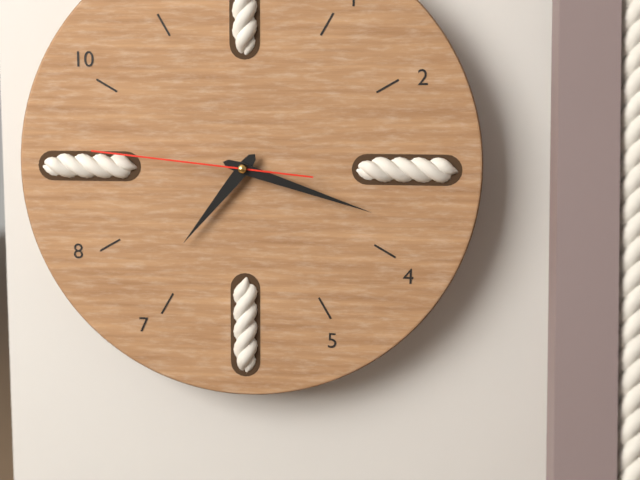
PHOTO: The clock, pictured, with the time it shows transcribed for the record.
7:18:46
